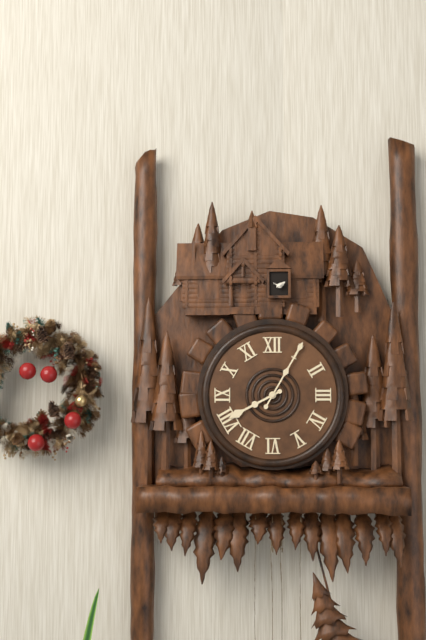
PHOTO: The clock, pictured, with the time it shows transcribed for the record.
8:05
